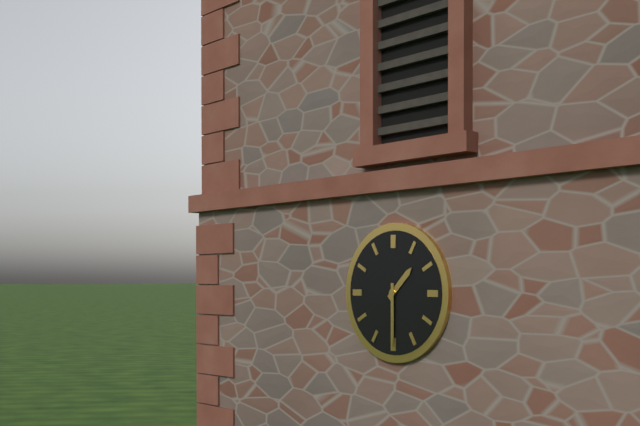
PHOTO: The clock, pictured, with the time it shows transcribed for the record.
1:30
